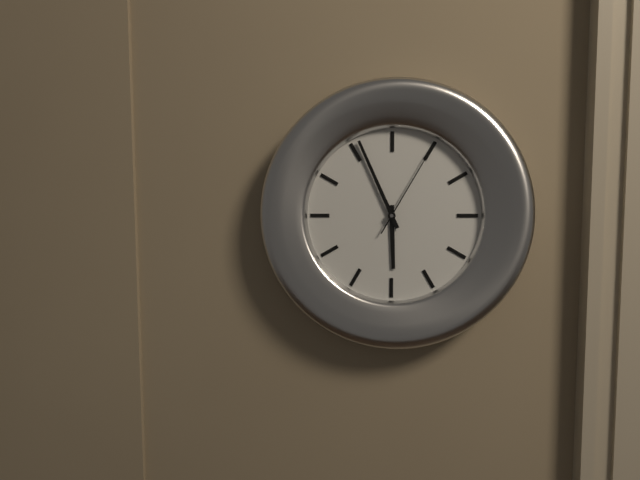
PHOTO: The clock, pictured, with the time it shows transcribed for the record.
5:56:05
